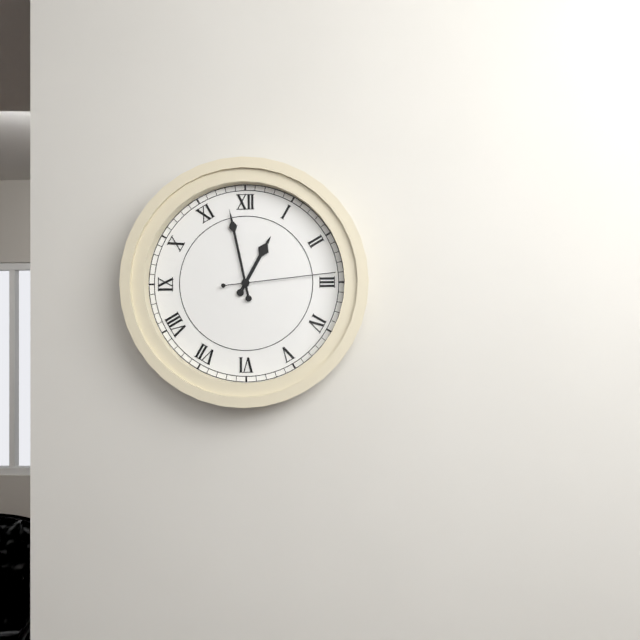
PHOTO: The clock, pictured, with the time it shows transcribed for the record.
12:58:14
